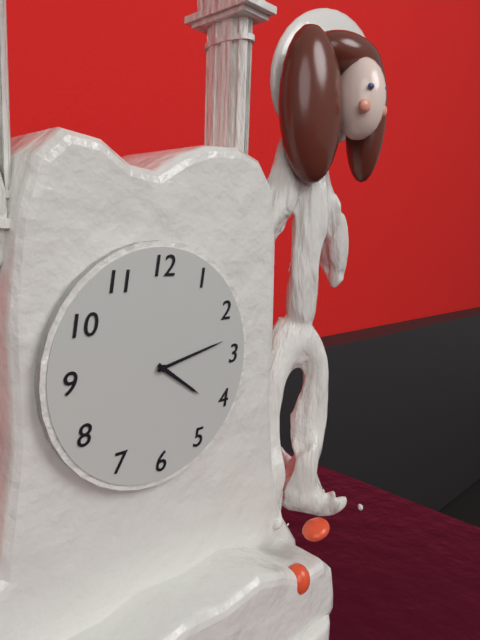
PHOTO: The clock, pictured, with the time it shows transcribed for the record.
4:13
